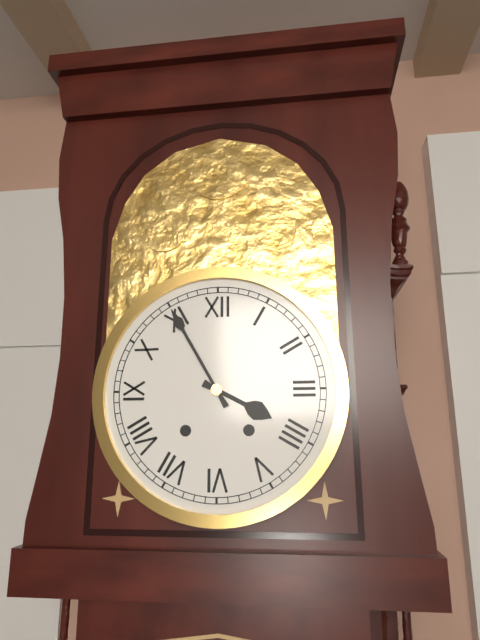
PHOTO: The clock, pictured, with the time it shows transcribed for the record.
3:55
